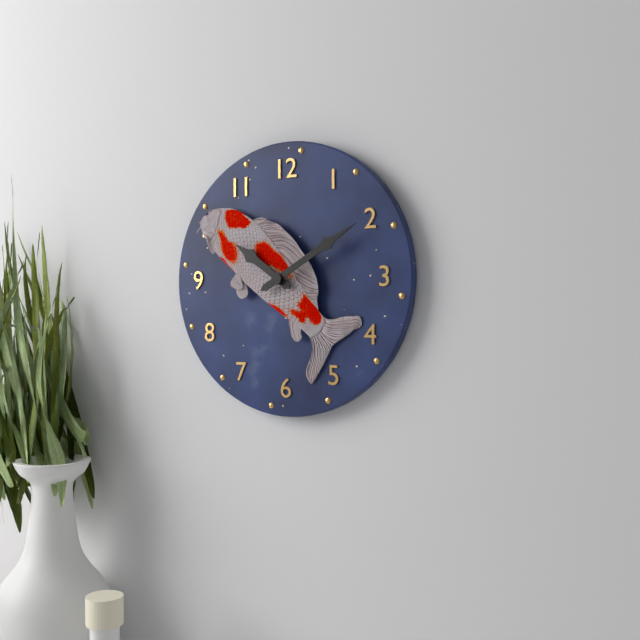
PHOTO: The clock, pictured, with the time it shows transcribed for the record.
10:10
